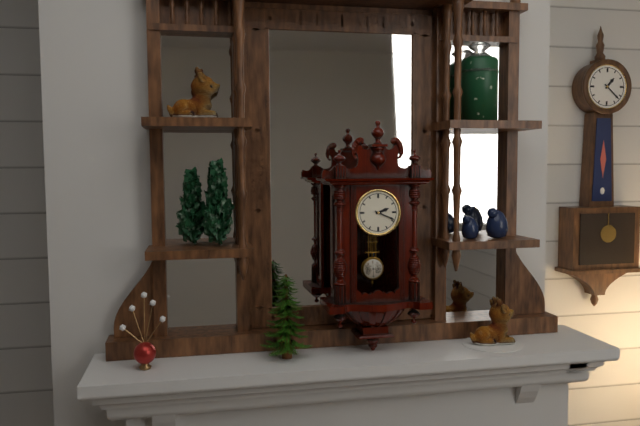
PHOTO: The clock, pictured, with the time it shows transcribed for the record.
2:19
